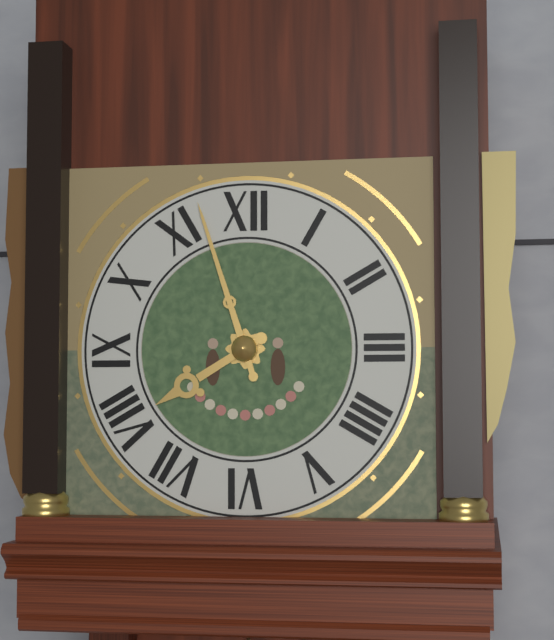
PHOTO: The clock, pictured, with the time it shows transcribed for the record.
7:57
